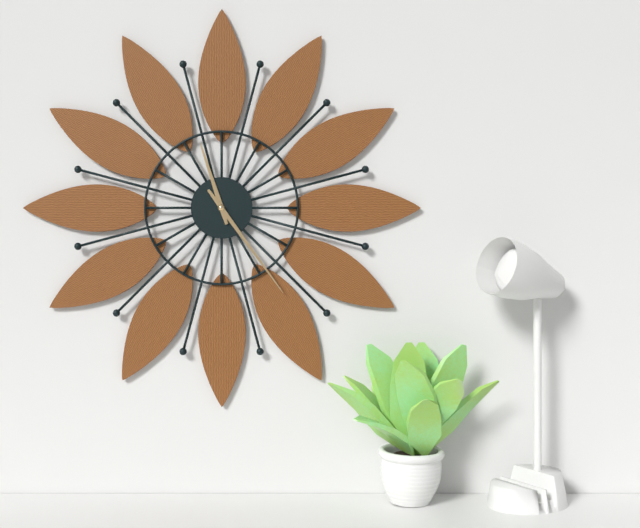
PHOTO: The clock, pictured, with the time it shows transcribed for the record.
11:24
